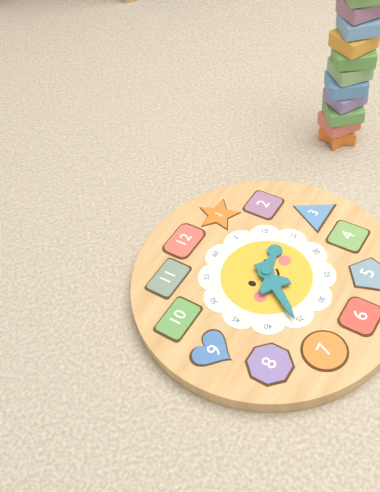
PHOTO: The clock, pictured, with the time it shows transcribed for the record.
2:36
